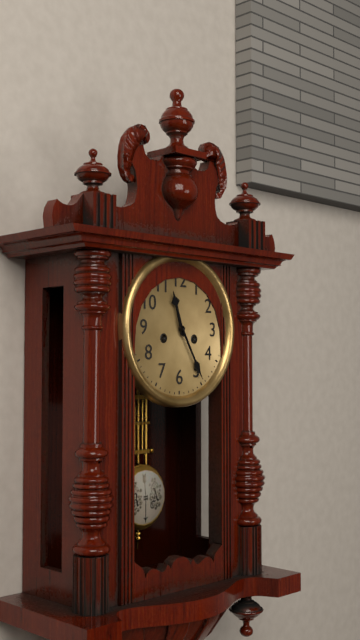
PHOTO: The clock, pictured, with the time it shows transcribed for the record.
11:25
